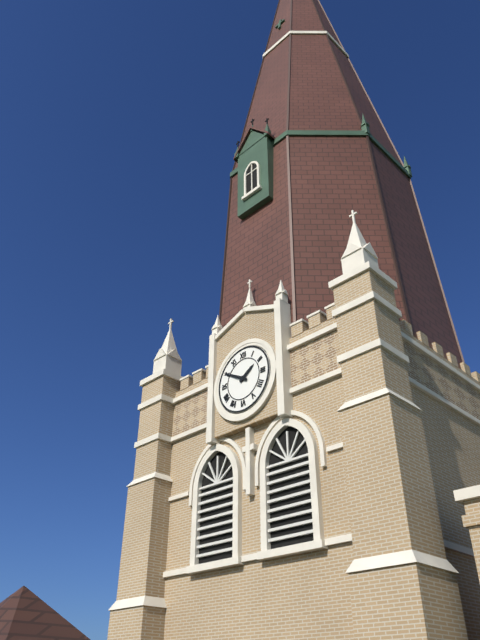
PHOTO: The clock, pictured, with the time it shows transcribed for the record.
1:50
